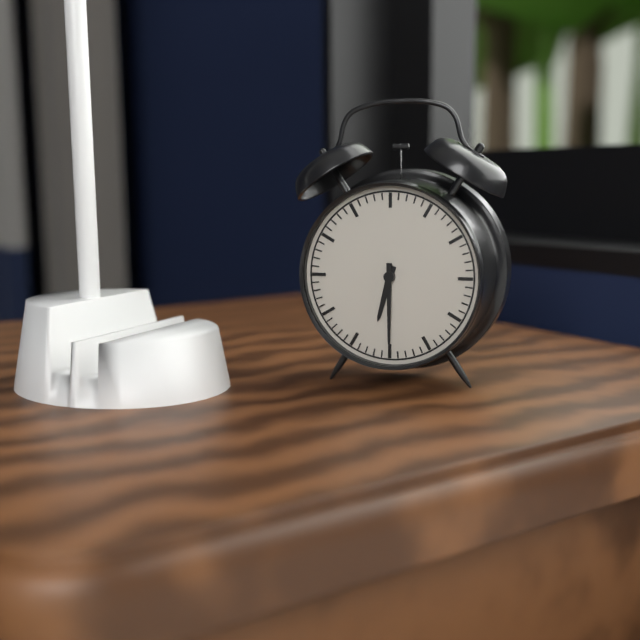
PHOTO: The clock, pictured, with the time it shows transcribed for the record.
6:30
